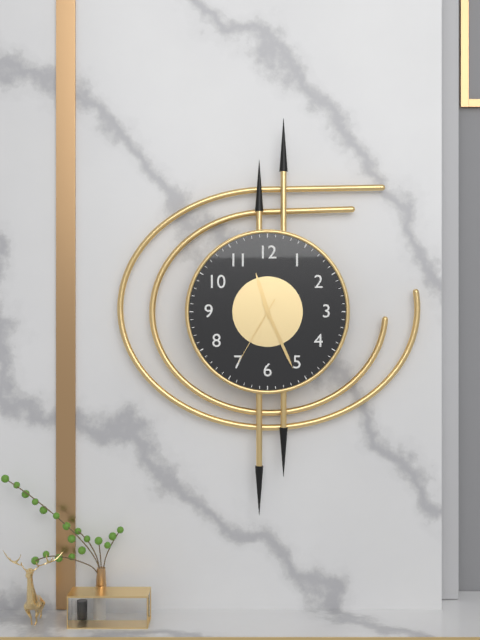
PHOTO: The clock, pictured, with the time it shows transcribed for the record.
11:26:35
